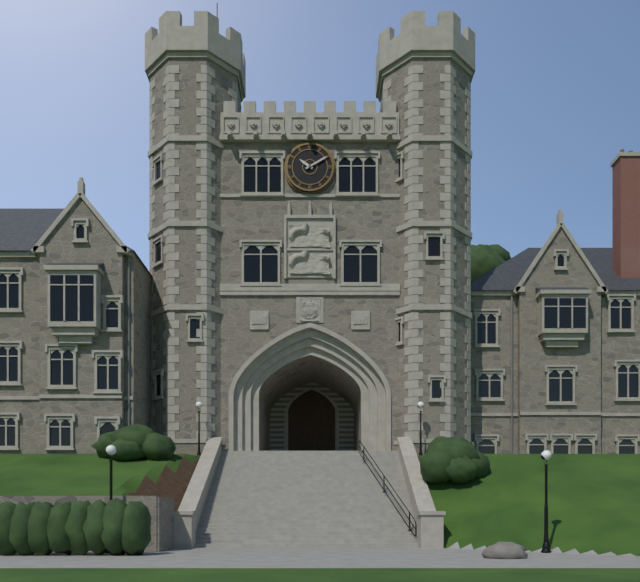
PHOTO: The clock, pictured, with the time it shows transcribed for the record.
10:10
